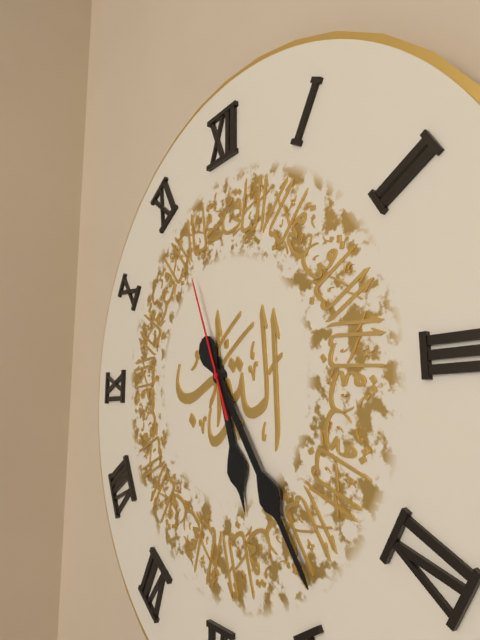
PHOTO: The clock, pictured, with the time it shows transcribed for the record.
5:24:56
